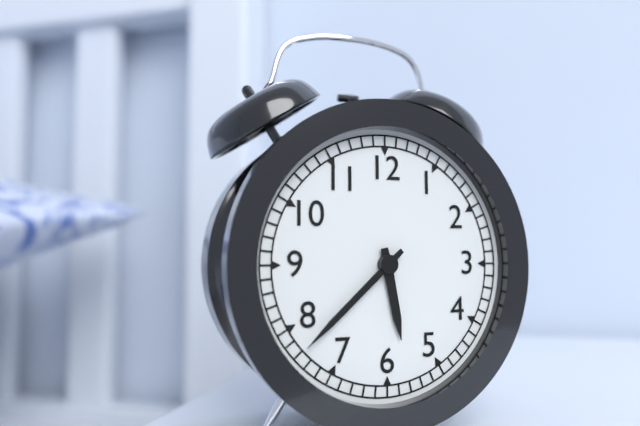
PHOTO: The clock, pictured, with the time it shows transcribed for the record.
5:38
